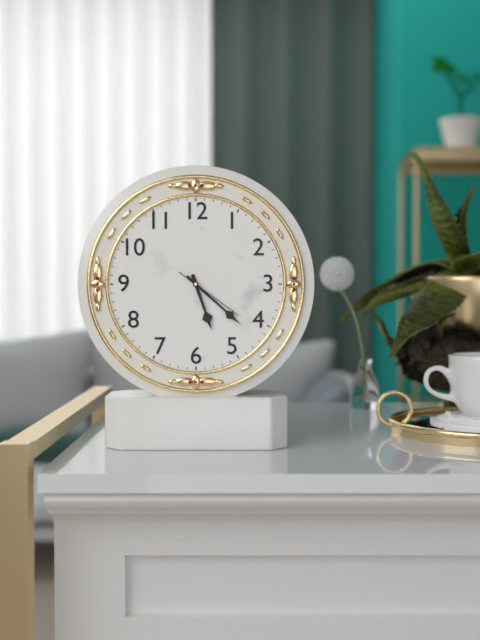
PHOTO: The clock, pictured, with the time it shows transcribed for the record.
5:22:21
